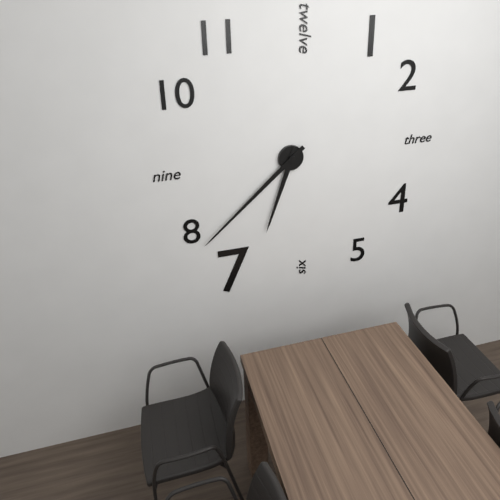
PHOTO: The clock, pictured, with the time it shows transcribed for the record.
6:38
